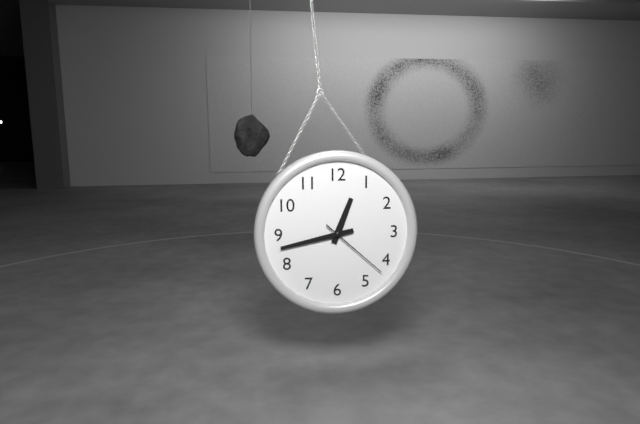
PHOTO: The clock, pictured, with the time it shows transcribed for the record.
12:43:22
